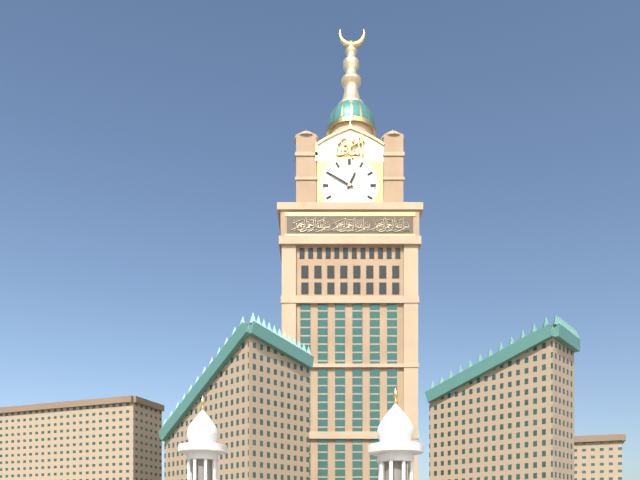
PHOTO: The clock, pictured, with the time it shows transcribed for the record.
12:50
